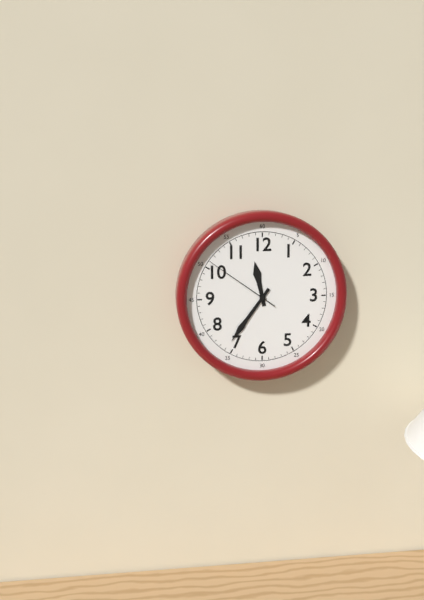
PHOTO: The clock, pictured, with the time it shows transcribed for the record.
11:36:51
